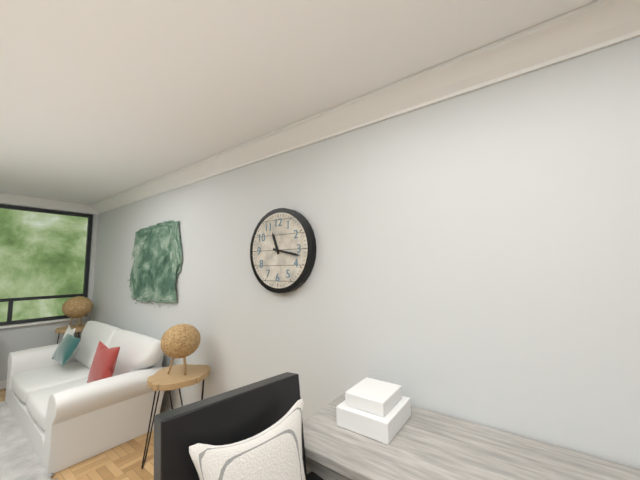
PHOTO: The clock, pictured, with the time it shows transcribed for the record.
11:17
